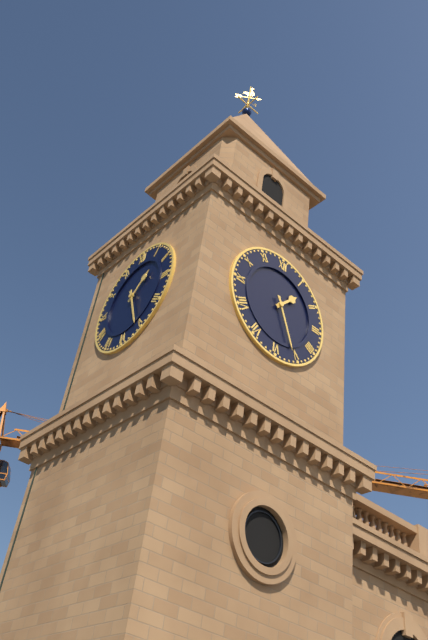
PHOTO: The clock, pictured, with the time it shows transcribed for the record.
1:26
